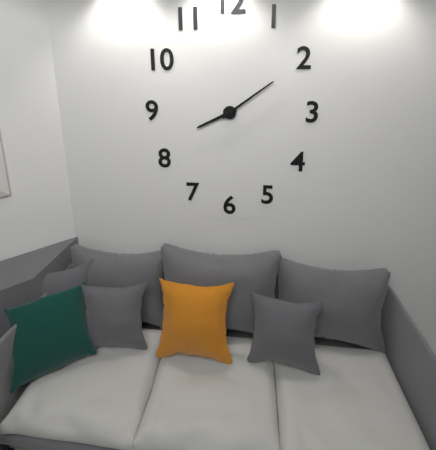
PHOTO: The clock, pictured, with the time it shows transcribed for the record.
8:09
